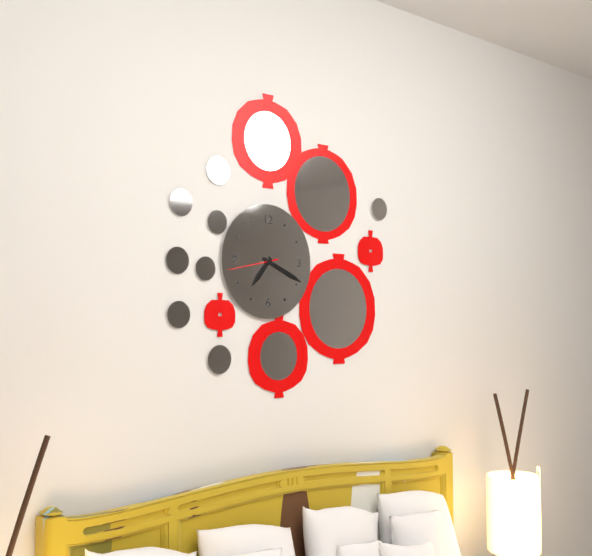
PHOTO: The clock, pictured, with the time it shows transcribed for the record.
7:19:43
